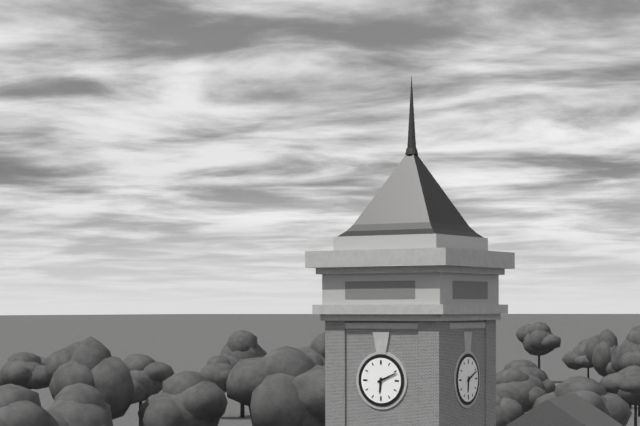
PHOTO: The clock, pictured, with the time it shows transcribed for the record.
6:11
